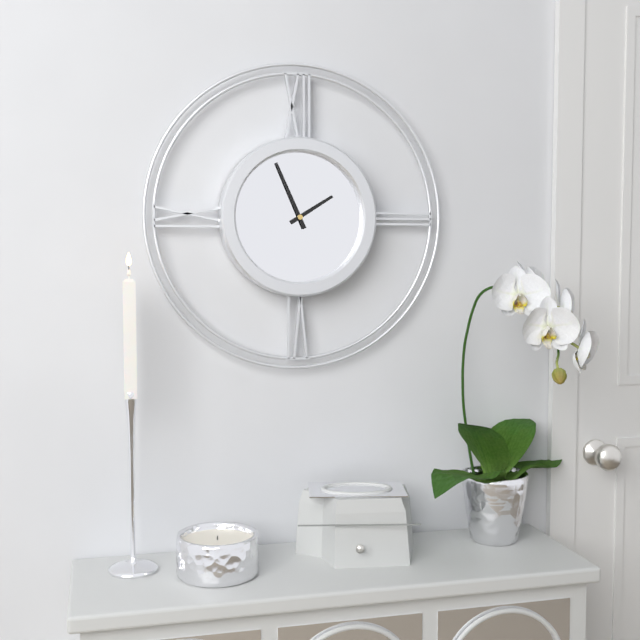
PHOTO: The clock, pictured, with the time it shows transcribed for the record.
1:56
